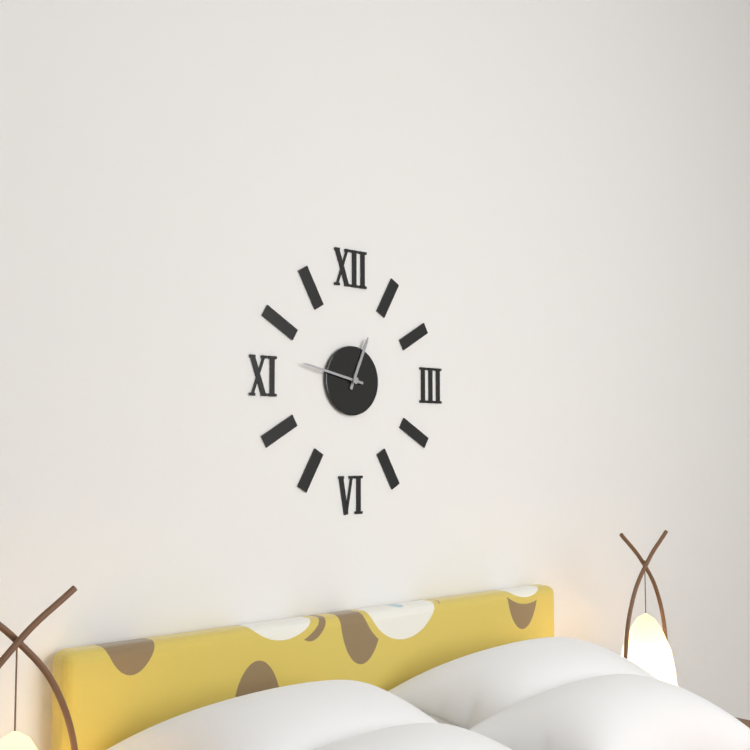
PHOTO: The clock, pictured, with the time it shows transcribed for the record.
12:47
